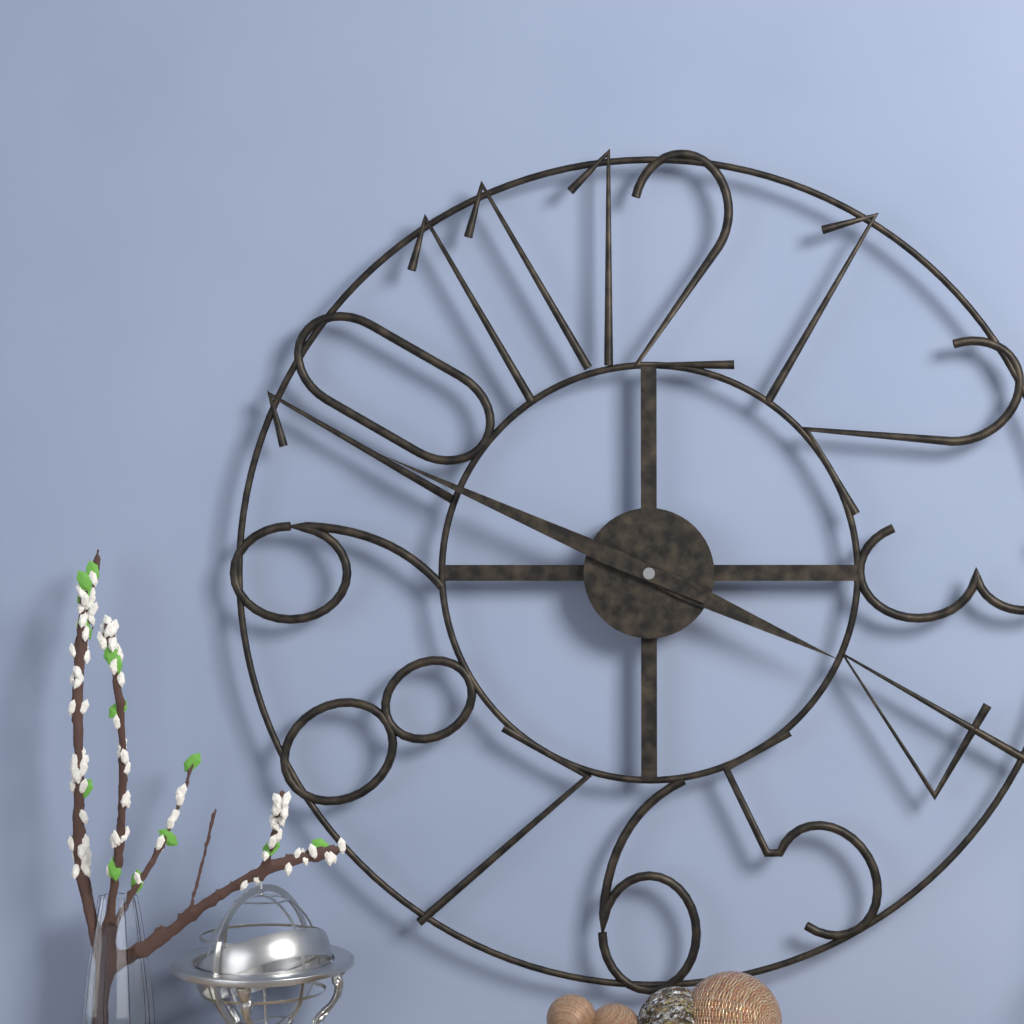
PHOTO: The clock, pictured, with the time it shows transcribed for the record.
3:49
